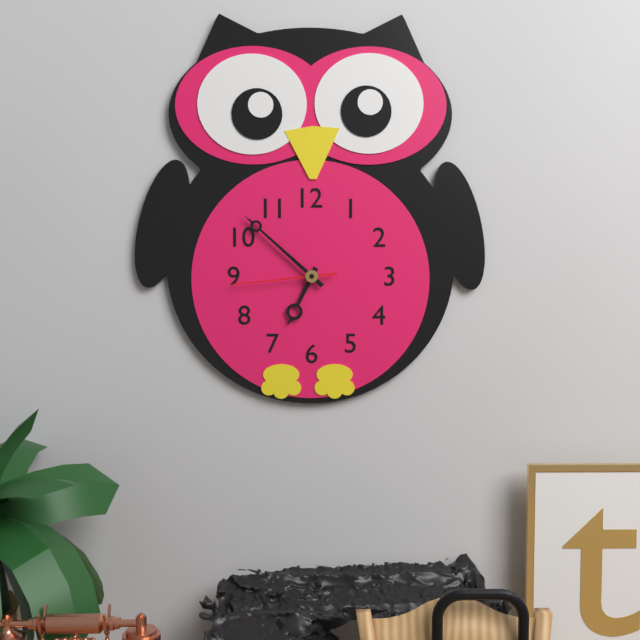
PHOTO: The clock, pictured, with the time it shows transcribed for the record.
6:52:44
